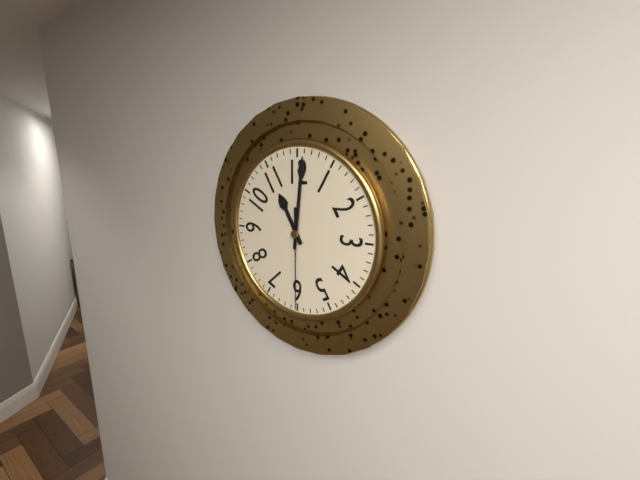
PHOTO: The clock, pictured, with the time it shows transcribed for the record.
11:01:30
